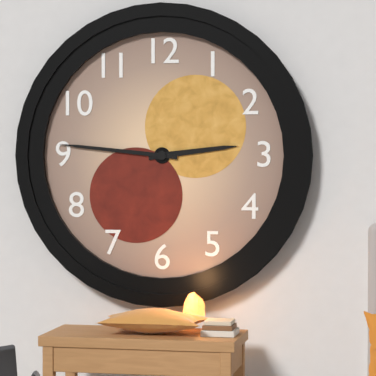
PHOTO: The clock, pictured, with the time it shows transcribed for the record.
2:46
